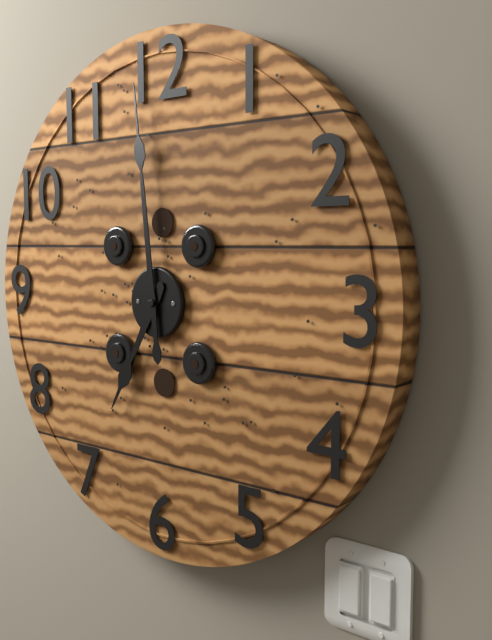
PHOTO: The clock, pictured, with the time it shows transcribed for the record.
6:59
